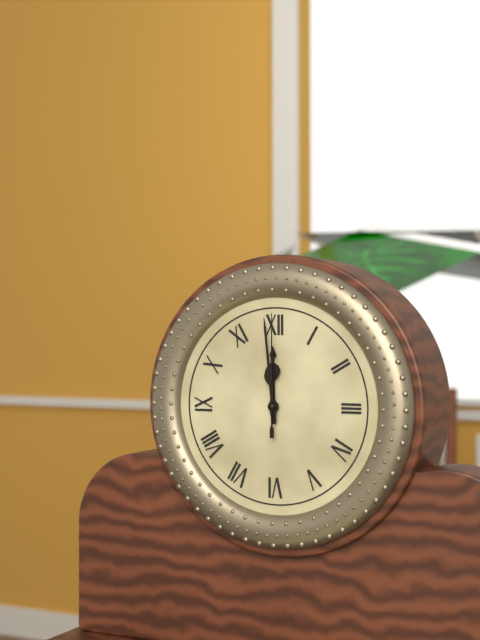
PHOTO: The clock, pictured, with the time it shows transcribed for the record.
11:59:00
